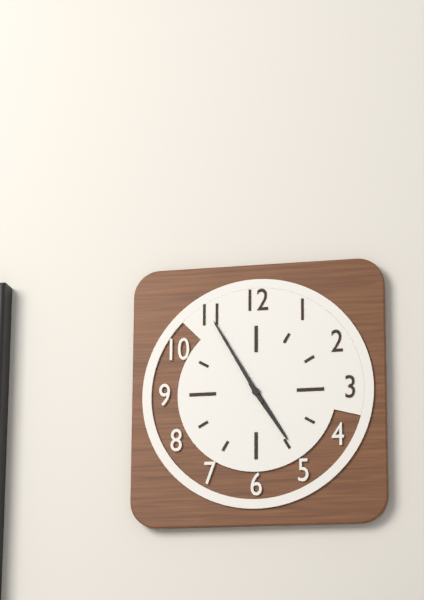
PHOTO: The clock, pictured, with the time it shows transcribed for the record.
4:55
